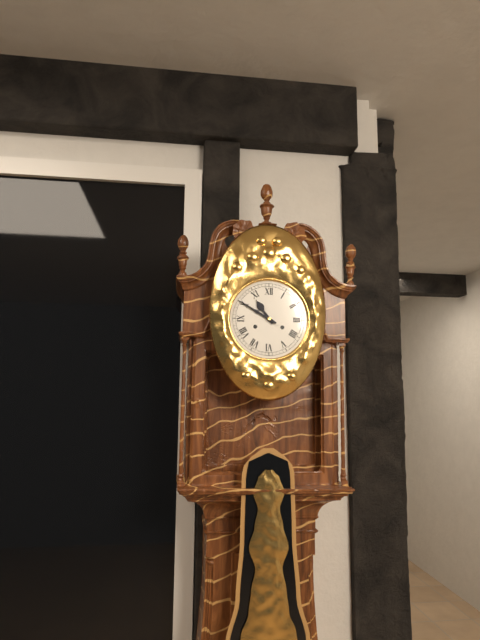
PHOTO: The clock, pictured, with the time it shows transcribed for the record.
10:50
